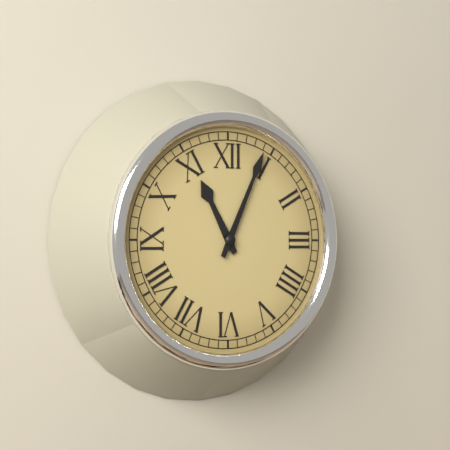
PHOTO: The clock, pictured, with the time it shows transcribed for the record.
11:04
